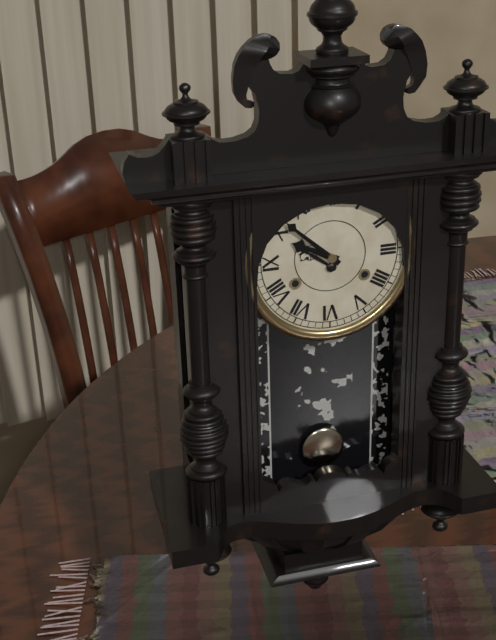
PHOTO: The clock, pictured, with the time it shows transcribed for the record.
9:52
